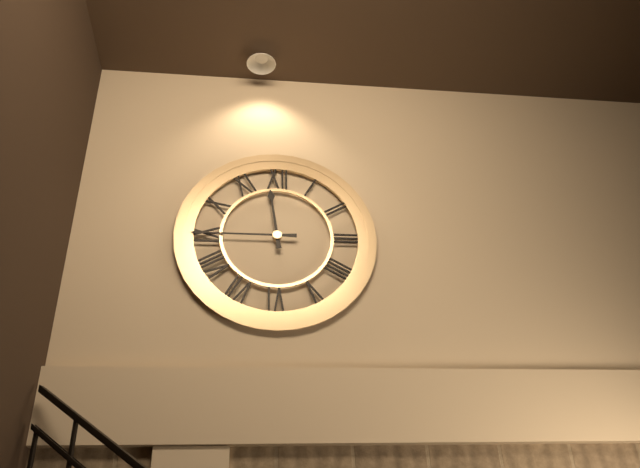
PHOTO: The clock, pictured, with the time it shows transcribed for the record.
11:45
